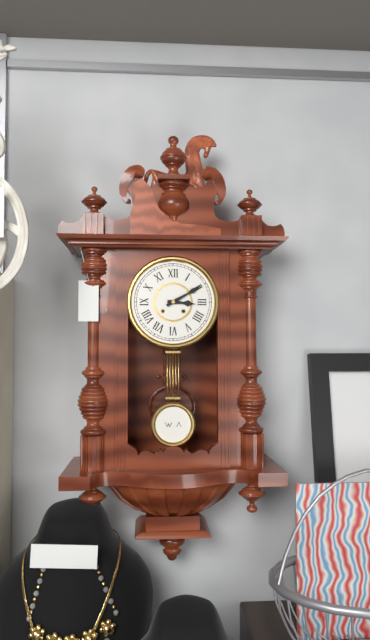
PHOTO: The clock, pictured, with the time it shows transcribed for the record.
3:10
